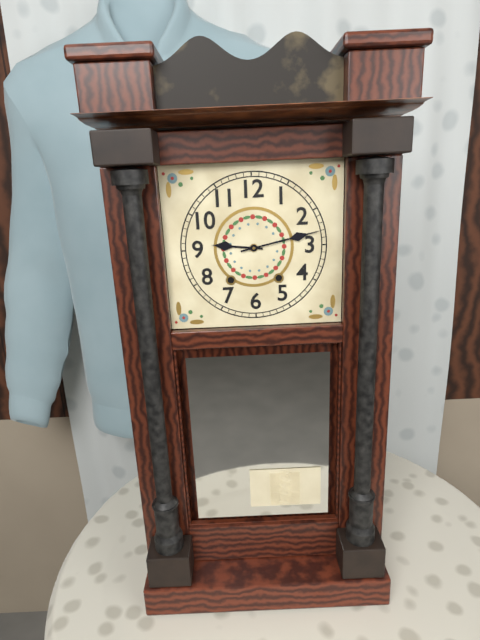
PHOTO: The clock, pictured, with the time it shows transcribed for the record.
9:13
